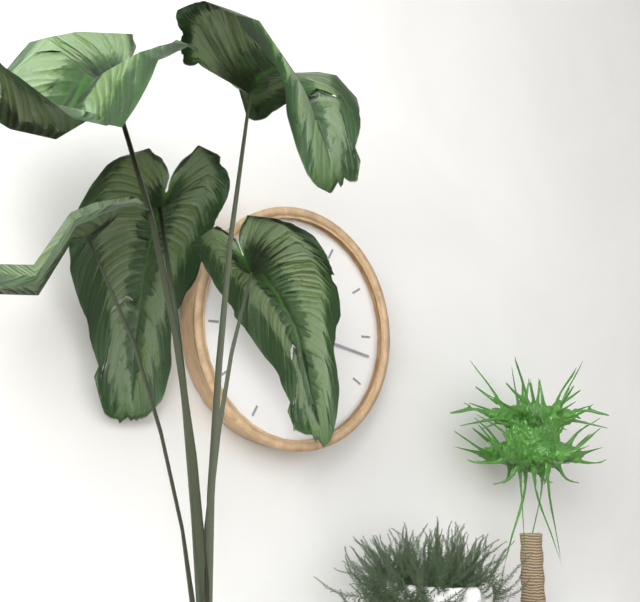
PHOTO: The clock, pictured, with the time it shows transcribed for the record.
12:17
